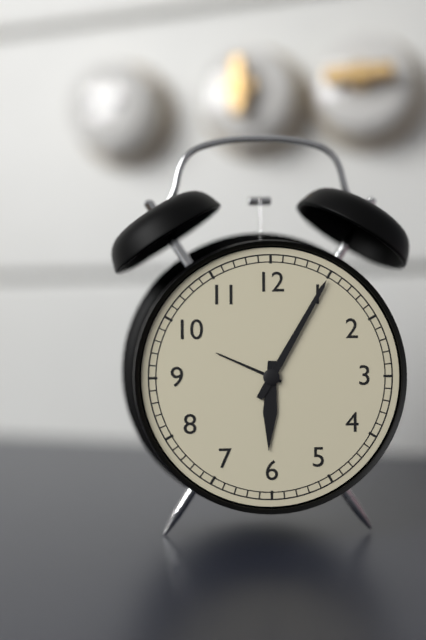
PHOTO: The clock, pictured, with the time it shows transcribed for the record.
6:05
